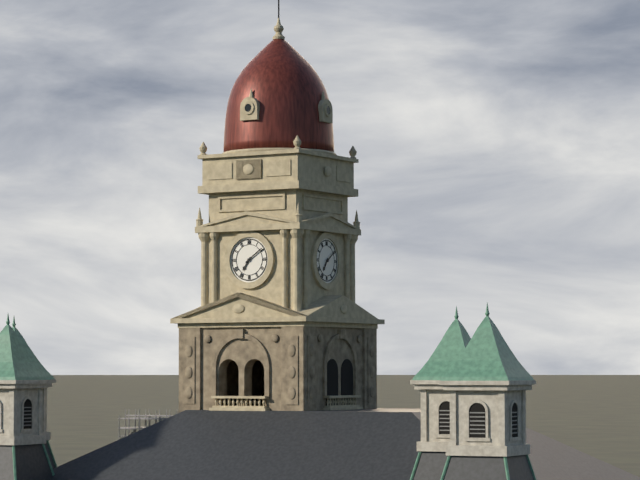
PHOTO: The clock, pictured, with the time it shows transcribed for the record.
7:09
